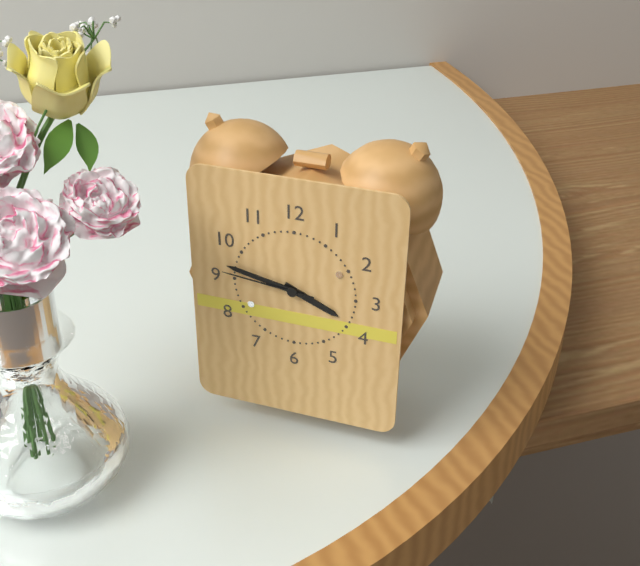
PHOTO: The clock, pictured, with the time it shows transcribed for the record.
3:47:46
